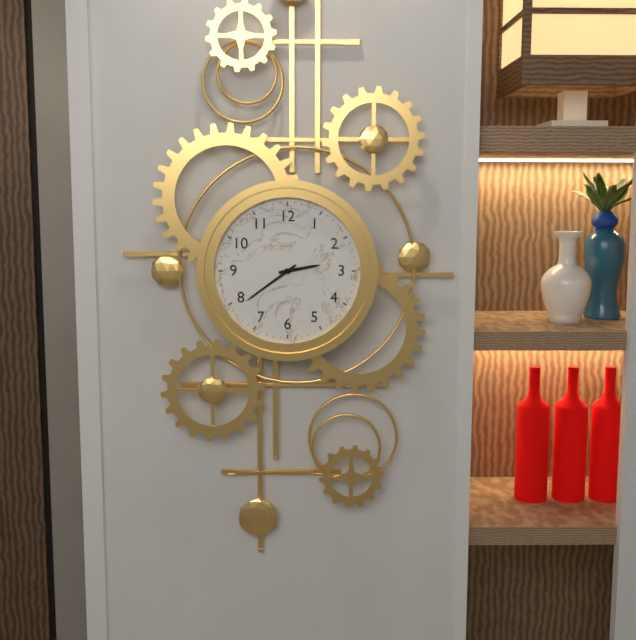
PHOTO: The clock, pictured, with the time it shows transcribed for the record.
2:39
